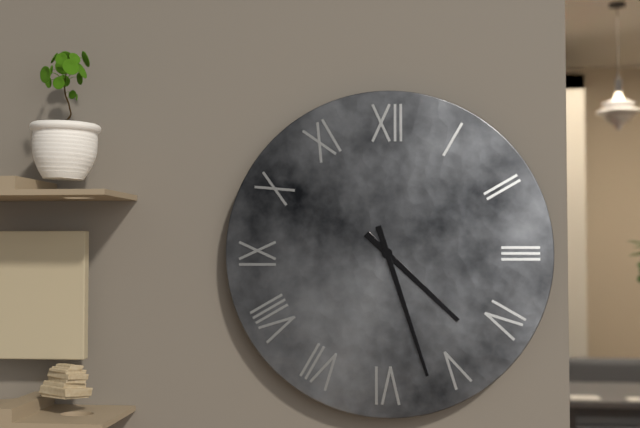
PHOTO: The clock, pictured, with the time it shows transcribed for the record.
4:27
